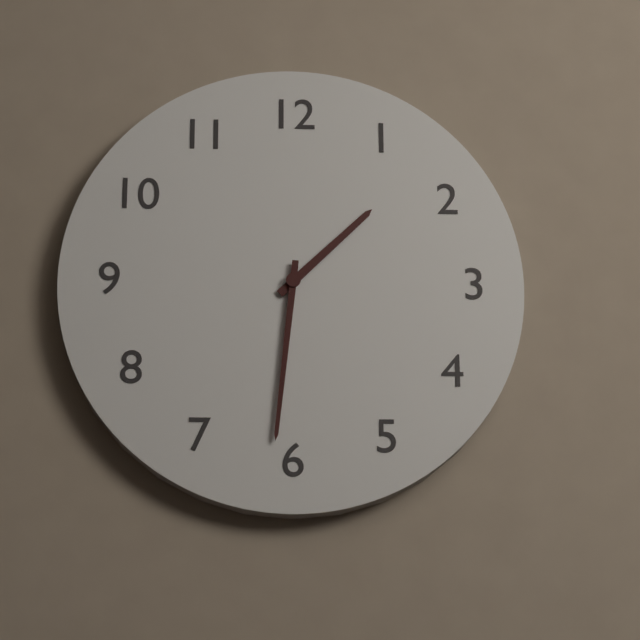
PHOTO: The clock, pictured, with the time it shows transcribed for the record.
1:31
